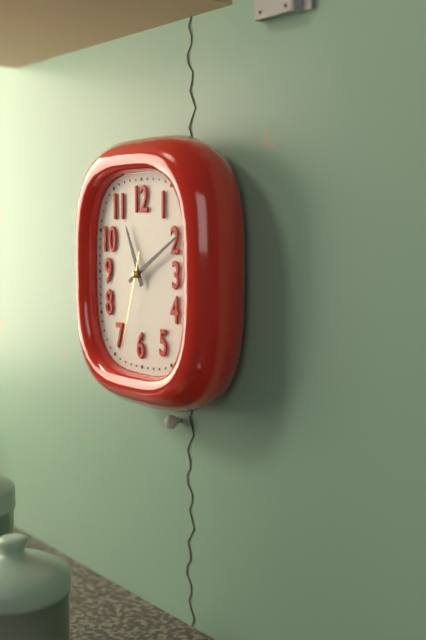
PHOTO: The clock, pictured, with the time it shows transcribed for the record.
11:10:33
